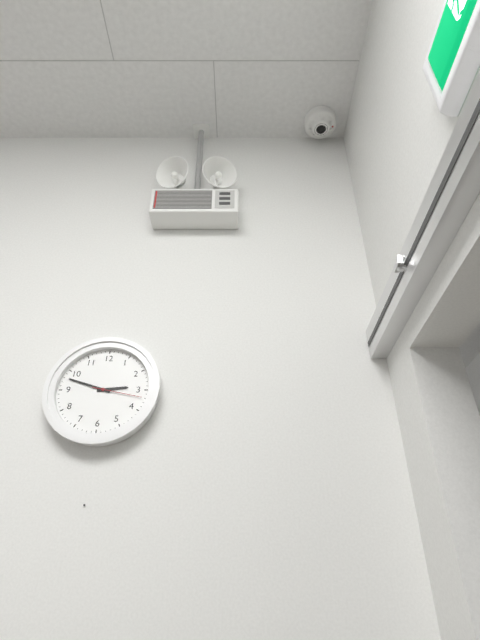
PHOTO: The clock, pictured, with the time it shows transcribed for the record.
2:48
